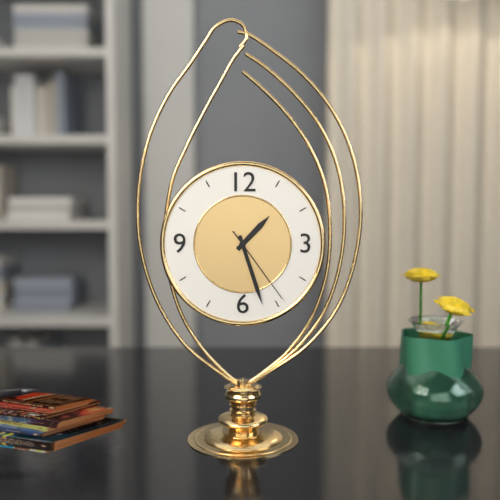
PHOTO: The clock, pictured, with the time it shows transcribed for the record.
1:27:24
